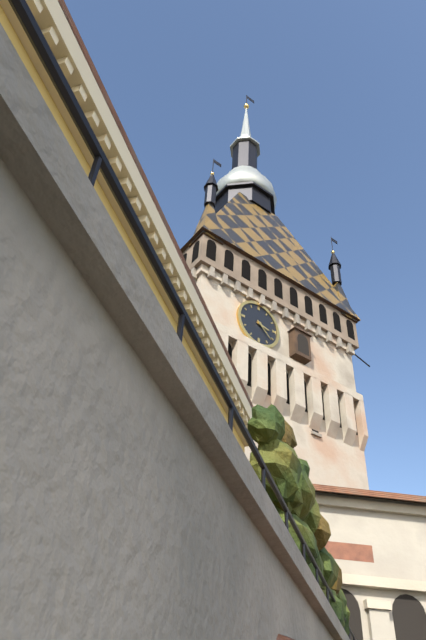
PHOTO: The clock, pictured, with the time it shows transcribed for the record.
3:22
